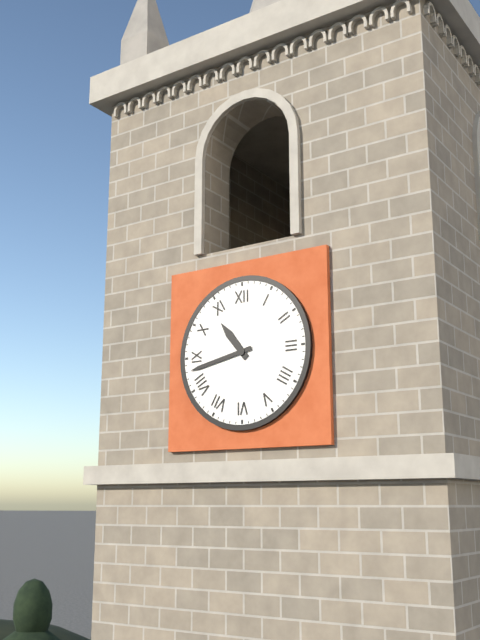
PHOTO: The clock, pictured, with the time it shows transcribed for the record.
10:43
